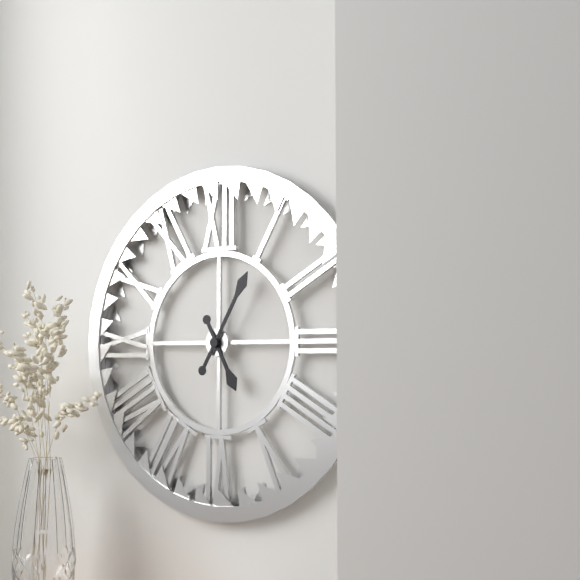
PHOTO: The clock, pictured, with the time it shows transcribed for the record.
5:05
